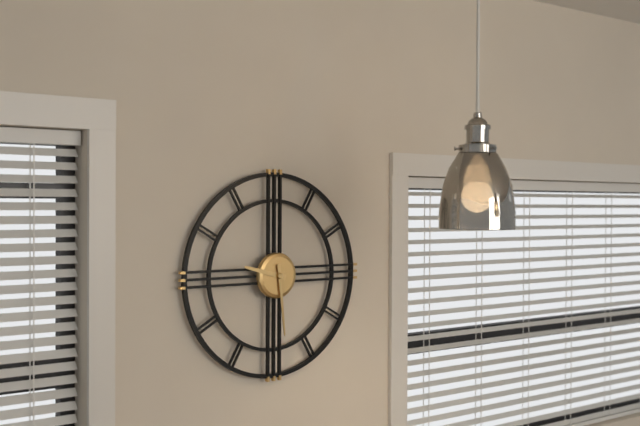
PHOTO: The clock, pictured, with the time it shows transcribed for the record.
9:29
